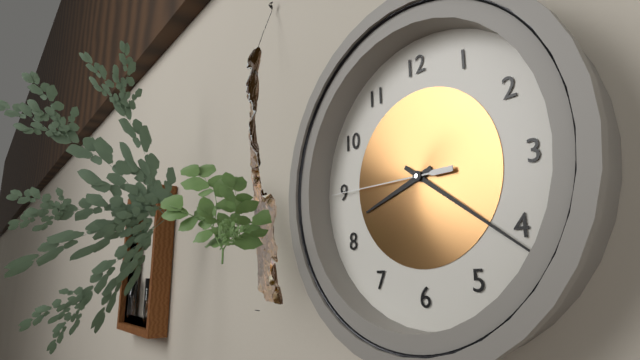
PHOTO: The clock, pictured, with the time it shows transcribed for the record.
8:21:45
